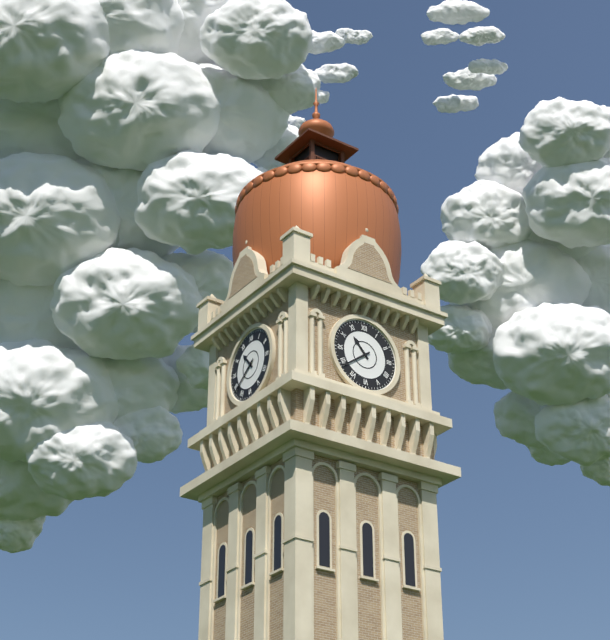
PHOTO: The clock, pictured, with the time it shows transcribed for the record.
10:39
